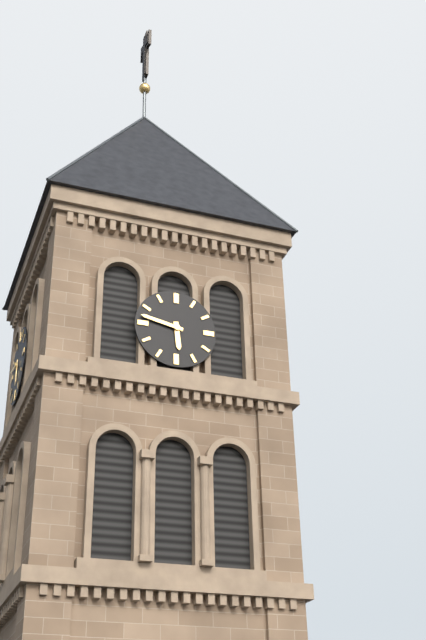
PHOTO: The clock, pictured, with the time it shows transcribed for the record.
5:47
